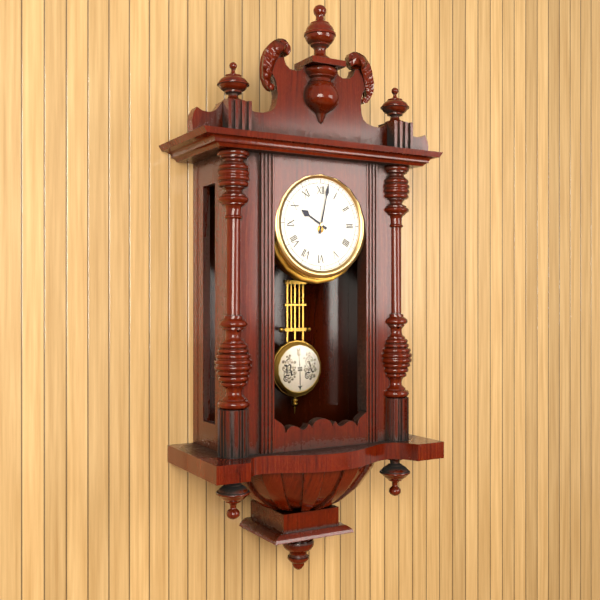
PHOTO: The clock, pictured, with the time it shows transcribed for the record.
10:02
